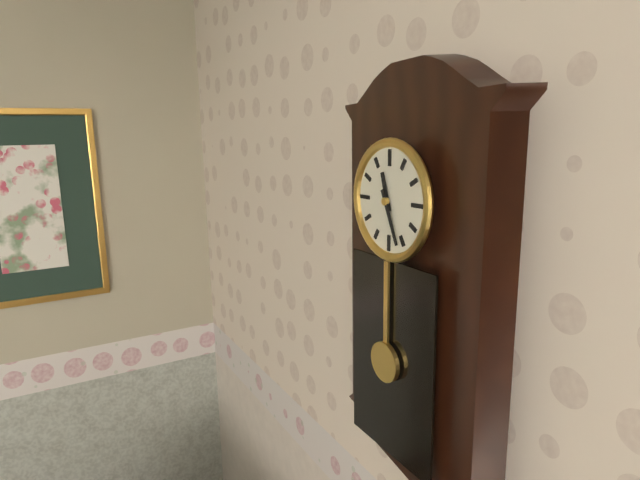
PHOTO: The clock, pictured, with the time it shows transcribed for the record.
11:26
